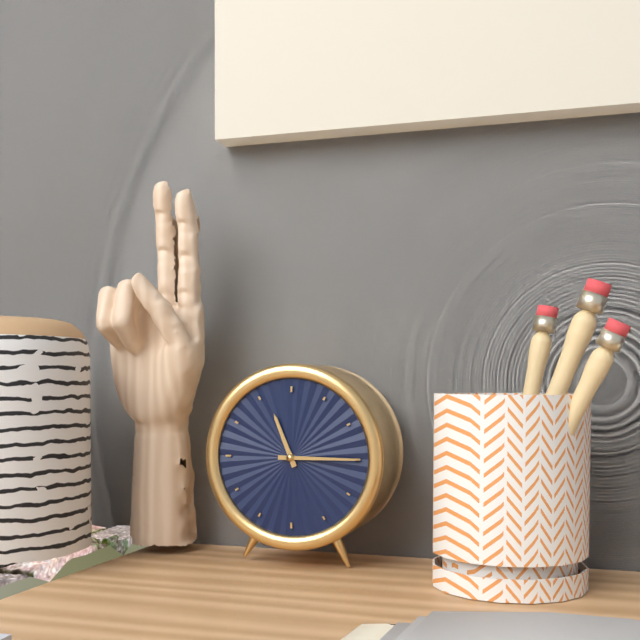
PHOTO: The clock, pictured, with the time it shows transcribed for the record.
11:15
